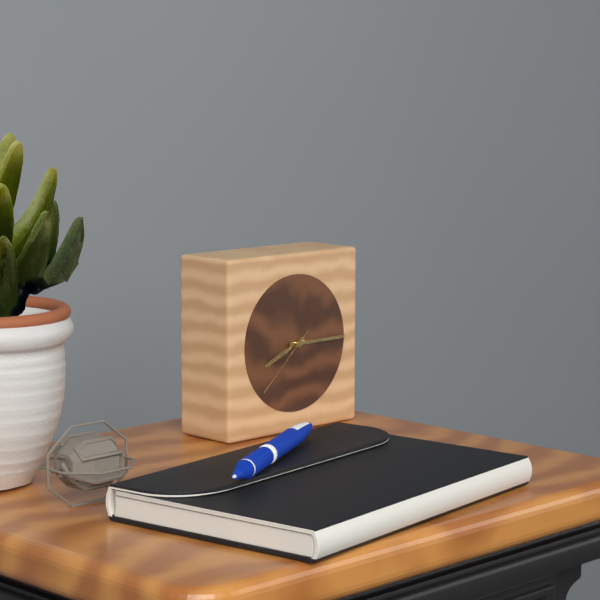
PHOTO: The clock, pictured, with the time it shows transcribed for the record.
8:15:38
